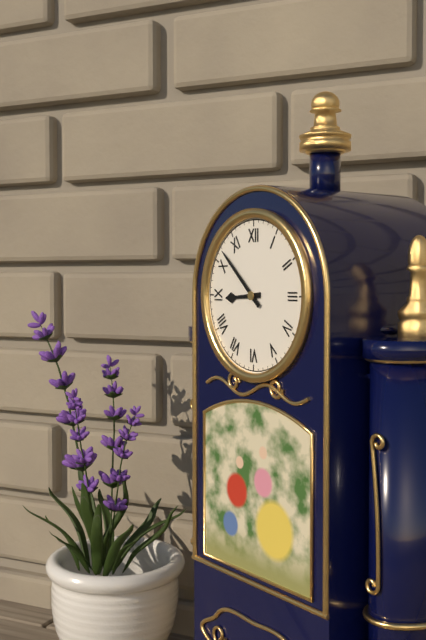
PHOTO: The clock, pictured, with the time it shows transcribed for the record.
8:52
